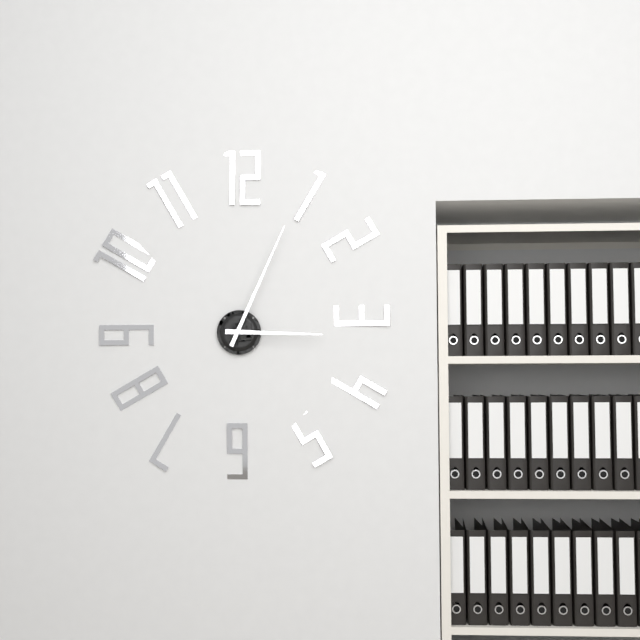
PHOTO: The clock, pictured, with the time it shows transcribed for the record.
3:04
